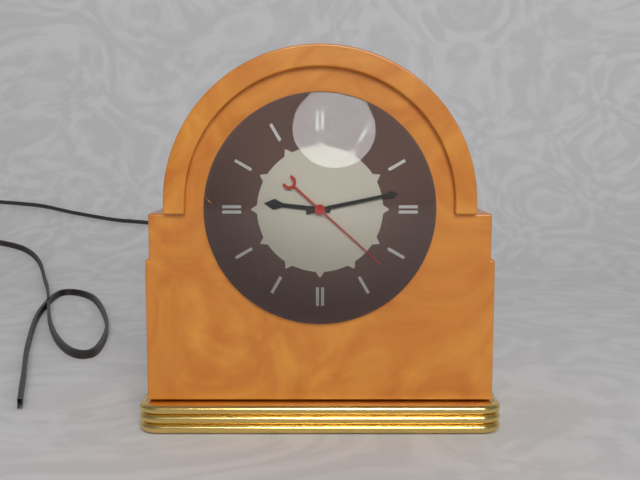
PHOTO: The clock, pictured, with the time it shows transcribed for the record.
9:13:22
